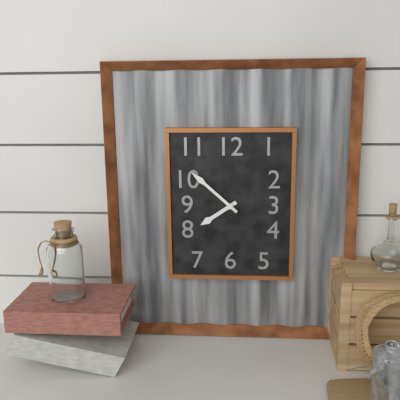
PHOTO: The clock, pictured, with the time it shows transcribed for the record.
7:52
